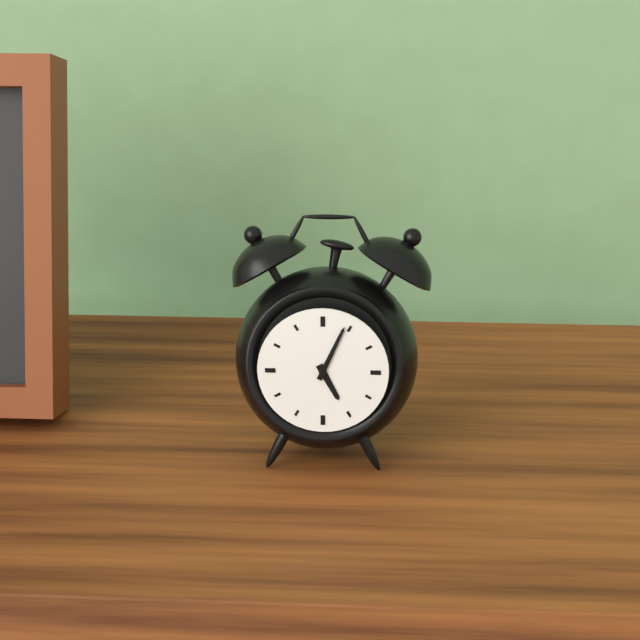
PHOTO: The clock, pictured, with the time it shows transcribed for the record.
5:04
